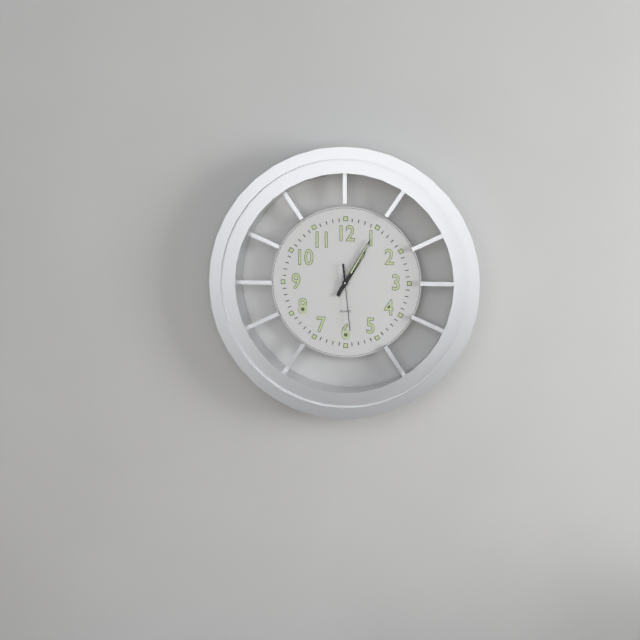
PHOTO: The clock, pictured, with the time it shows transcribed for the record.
1:05:29
